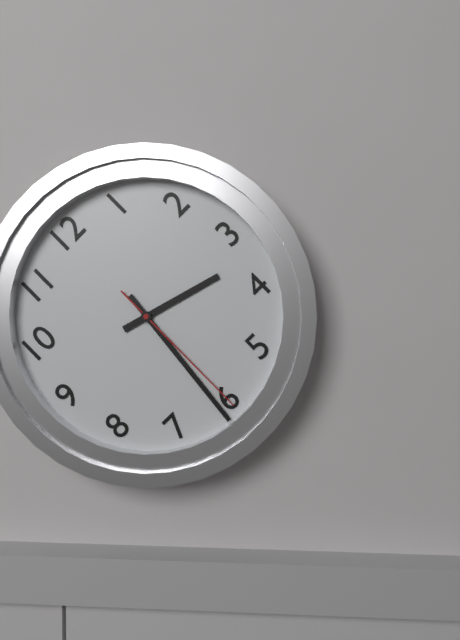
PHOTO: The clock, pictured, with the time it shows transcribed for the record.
3:31:30
